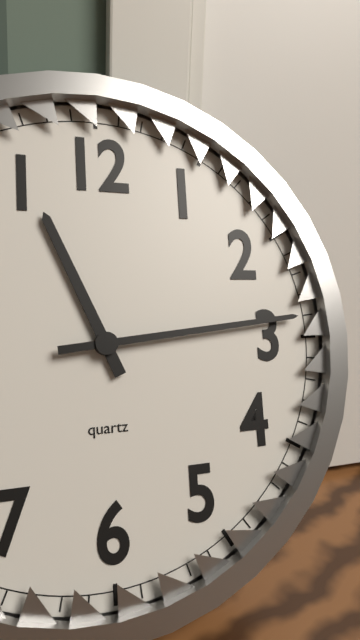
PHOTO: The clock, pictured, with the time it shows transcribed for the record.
11:14
